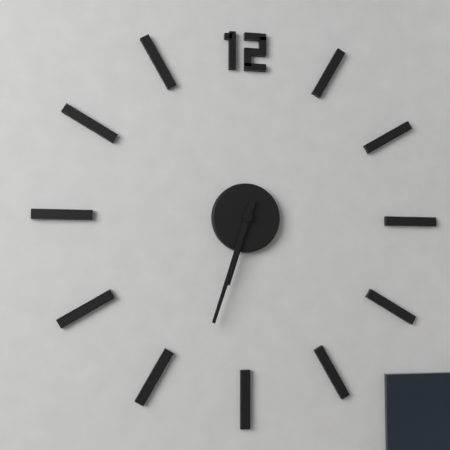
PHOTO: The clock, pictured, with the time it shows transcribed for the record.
6:33
